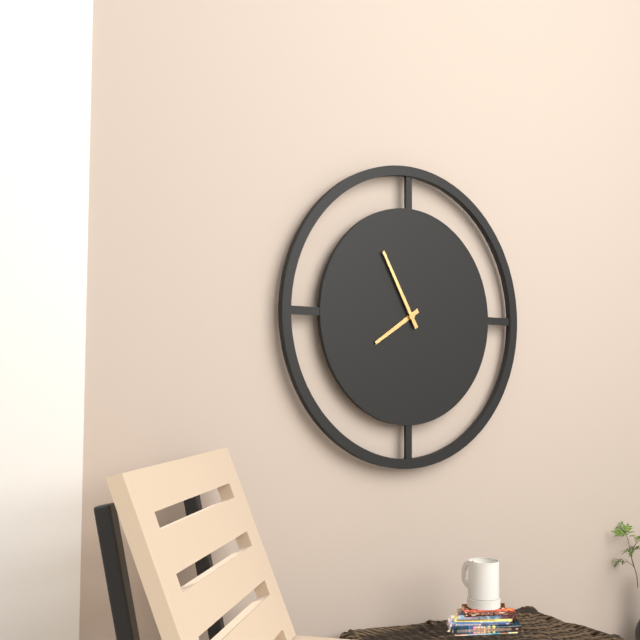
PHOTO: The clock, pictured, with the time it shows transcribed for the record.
7:55
